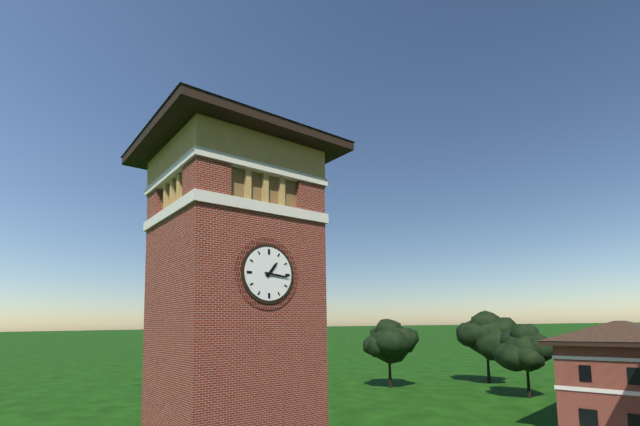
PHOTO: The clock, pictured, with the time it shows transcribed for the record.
1:16
